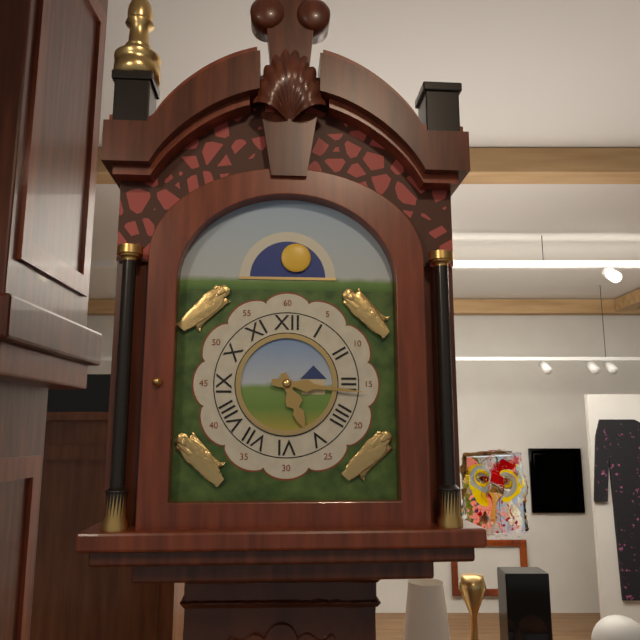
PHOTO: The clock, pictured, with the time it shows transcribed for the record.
5:16
